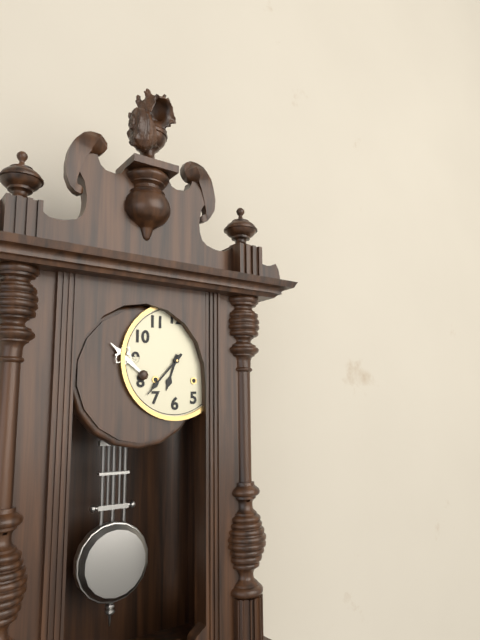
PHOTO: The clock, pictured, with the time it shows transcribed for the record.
6:37
